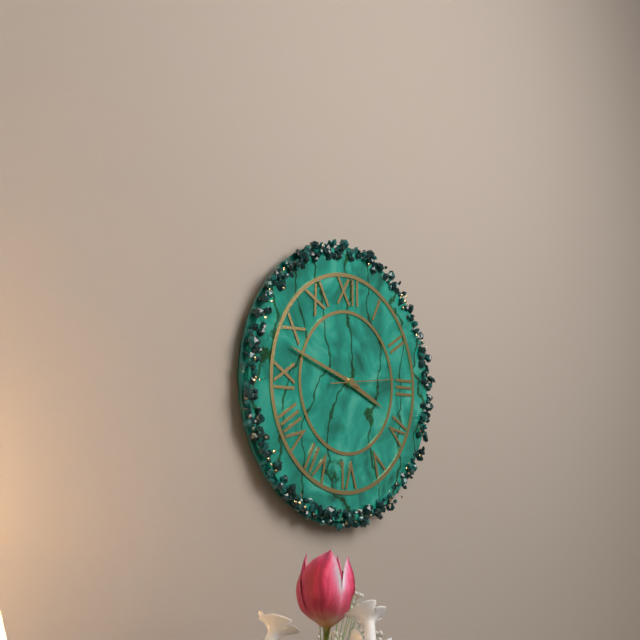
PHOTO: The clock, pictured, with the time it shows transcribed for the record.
3:48:14
